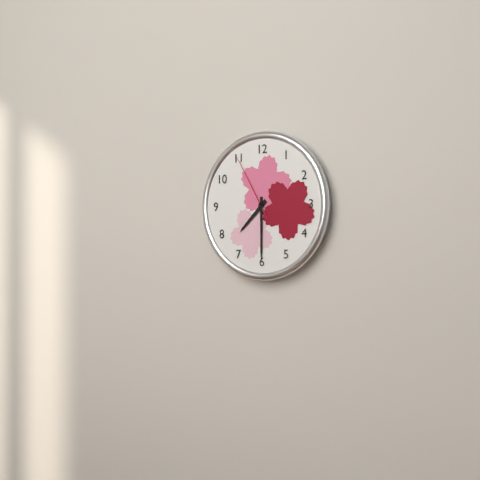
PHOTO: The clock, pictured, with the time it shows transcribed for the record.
7:30:55
